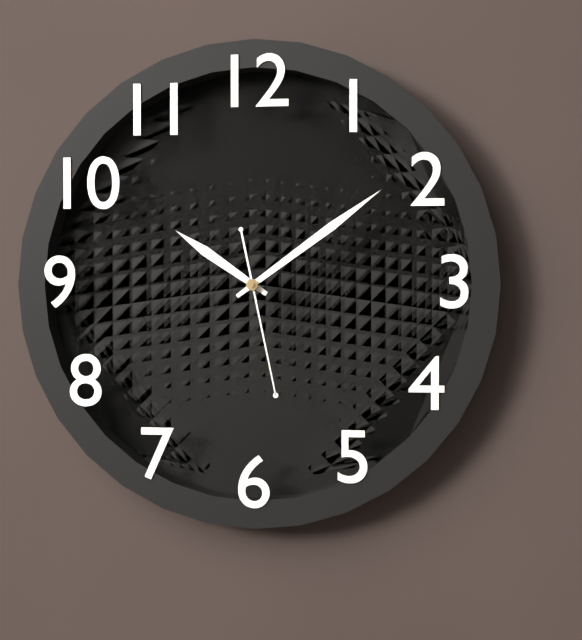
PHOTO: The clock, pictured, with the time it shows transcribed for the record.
10:09:28
